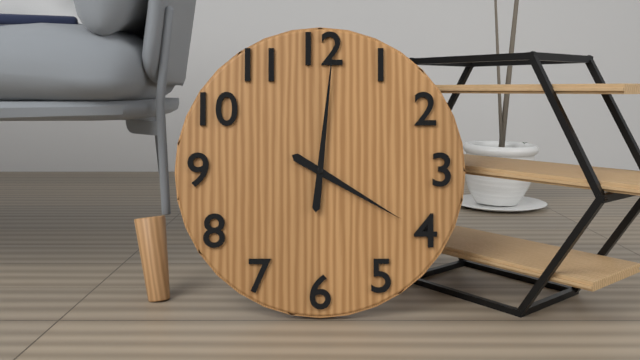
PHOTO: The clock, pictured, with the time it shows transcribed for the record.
4:01
